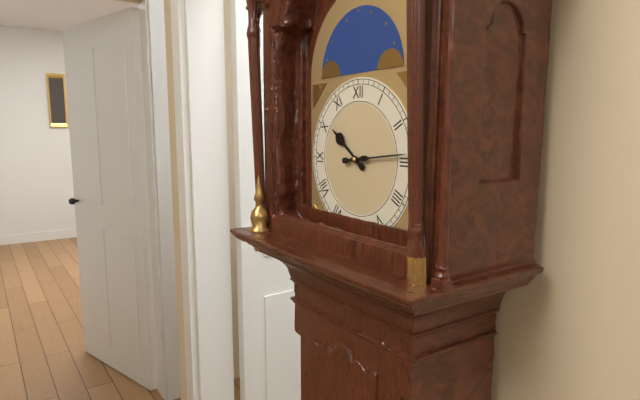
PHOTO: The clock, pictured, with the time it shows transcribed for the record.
10:14
